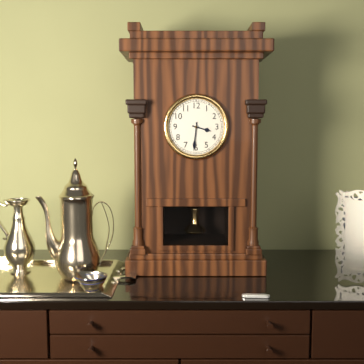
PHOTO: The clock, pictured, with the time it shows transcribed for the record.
3:31
